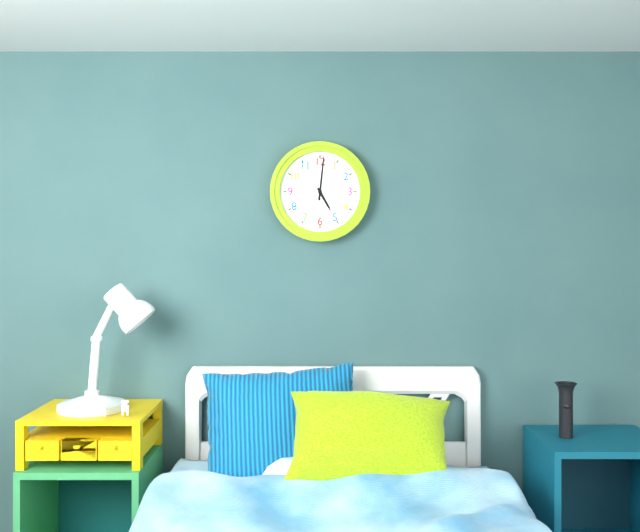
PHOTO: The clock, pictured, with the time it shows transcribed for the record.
5:01
